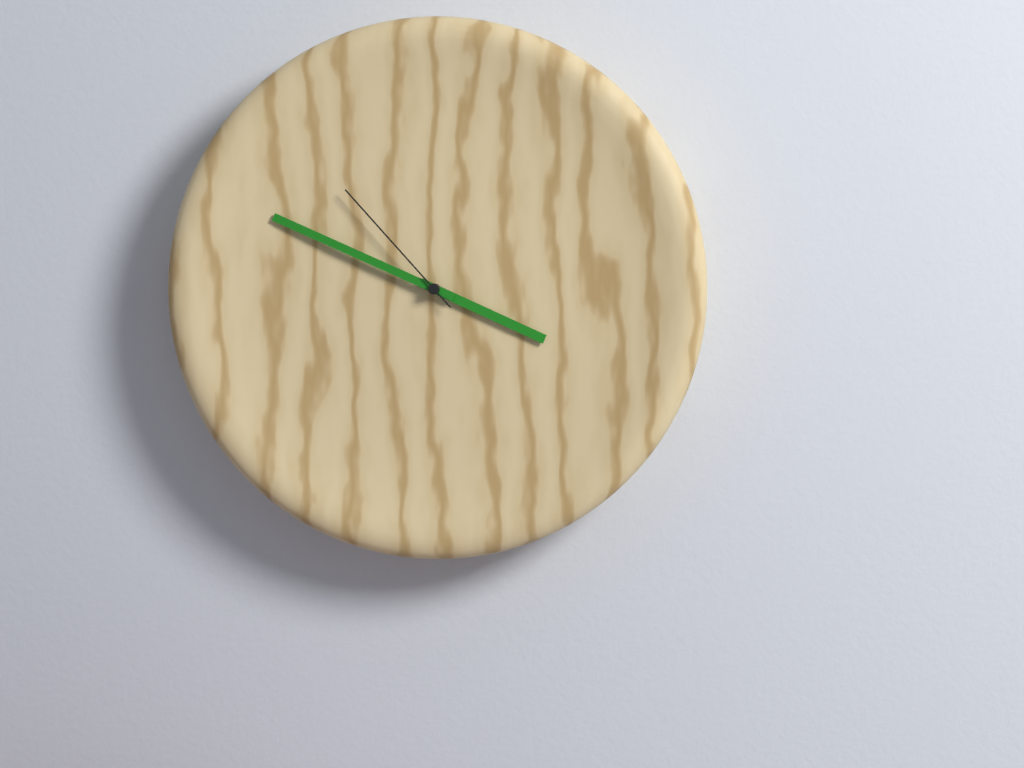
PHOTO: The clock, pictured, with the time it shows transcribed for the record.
3:49:53
